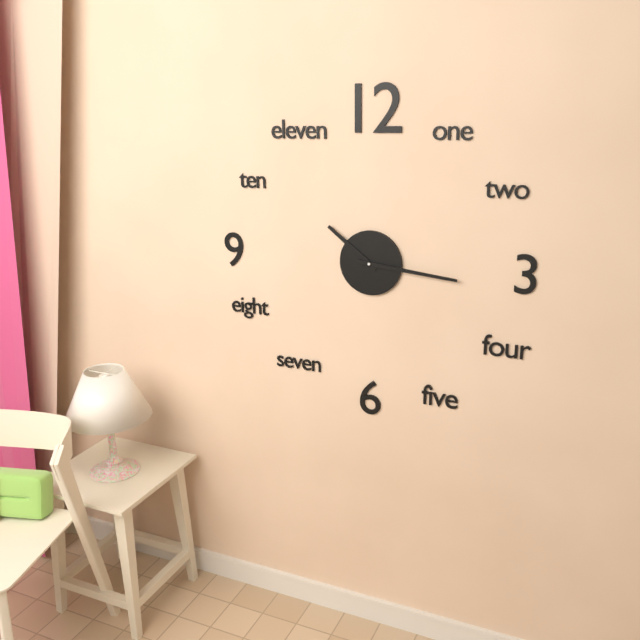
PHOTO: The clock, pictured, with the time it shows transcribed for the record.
10:16
